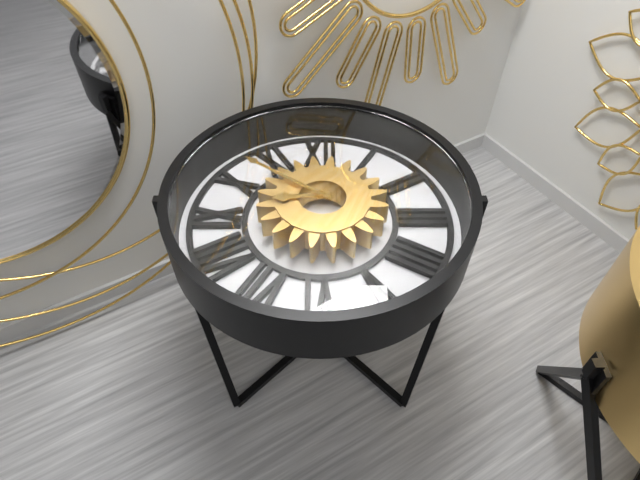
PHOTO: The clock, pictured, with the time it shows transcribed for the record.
8:51
